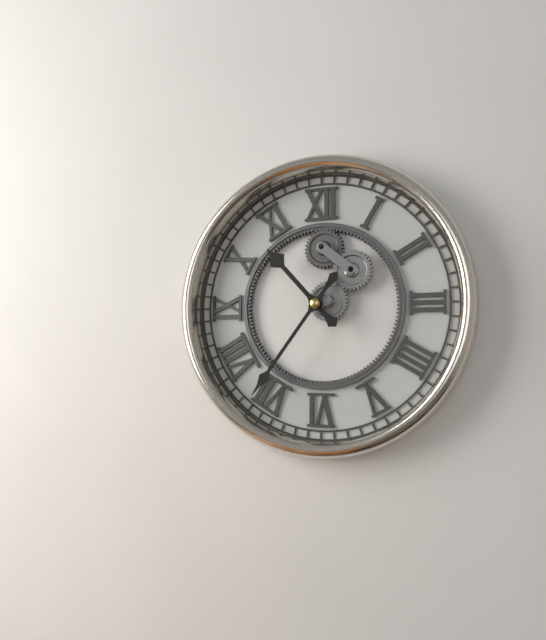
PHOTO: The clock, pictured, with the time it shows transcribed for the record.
10:36
